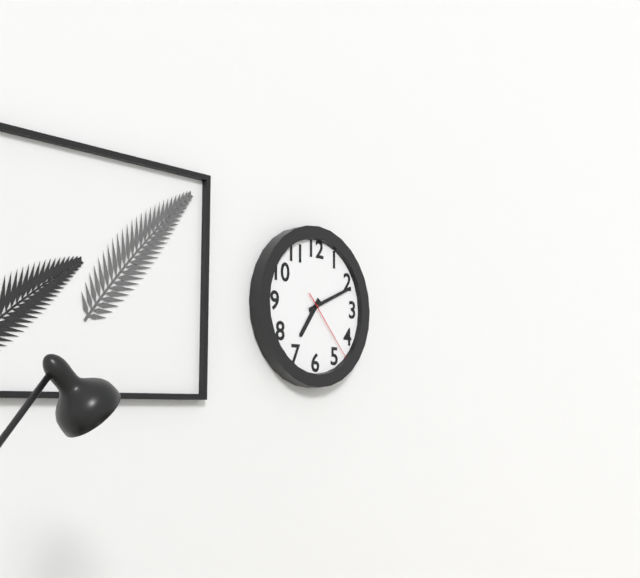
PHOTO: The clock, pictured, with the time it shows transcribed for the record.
7:11:23
